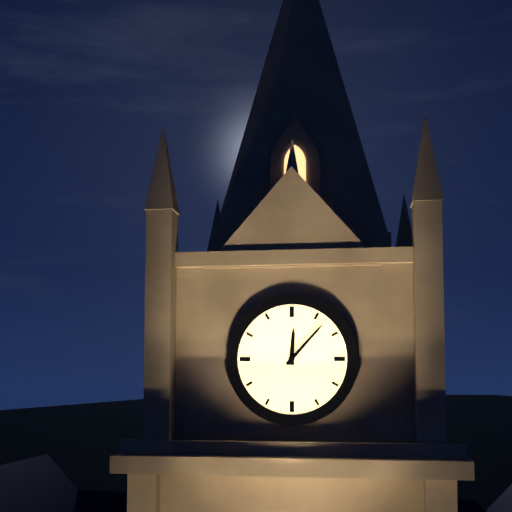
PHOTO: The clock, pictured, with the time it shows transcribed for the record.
12:07
